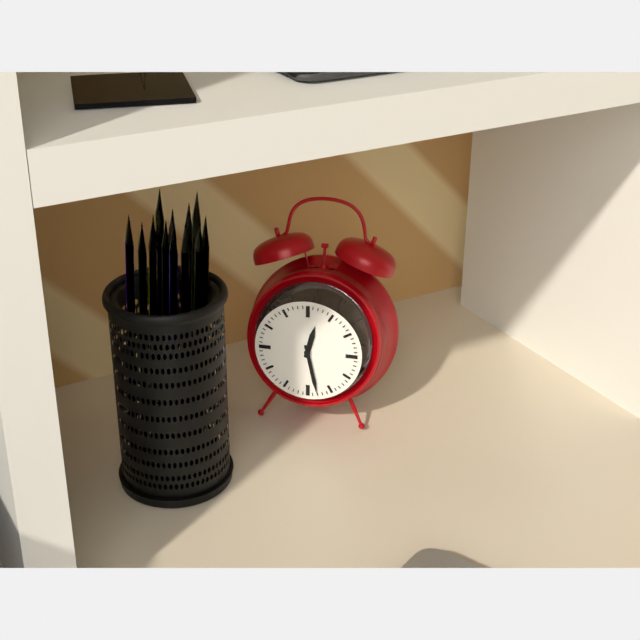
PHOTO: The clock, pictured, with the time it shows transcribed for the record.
12:28
